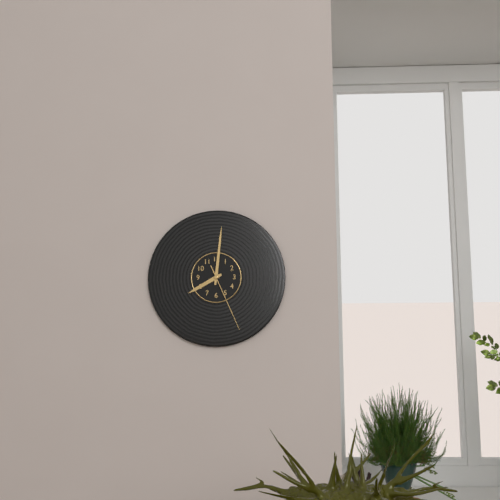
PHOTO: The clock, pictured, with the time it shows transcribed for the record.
8:01:26
